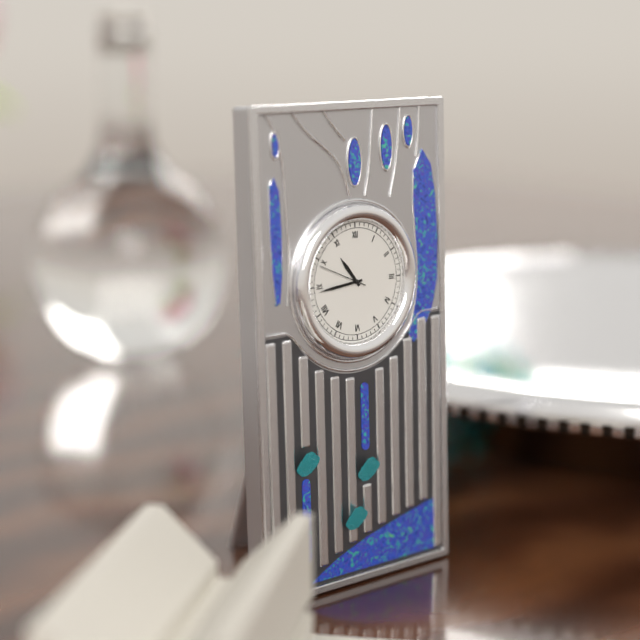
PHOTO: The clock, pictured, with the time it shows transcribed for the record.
10:44
